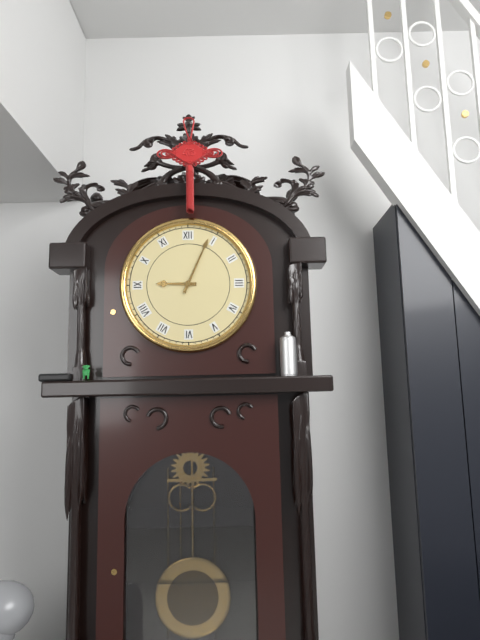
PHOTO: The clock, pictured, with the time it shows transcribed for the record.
9:04
